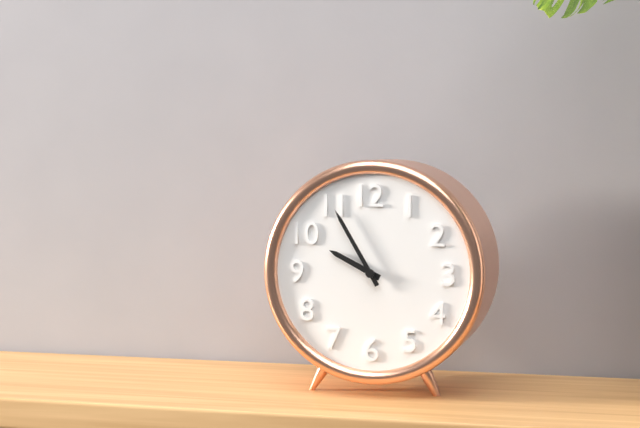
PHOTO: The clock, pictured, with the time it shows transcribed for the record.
9:55
